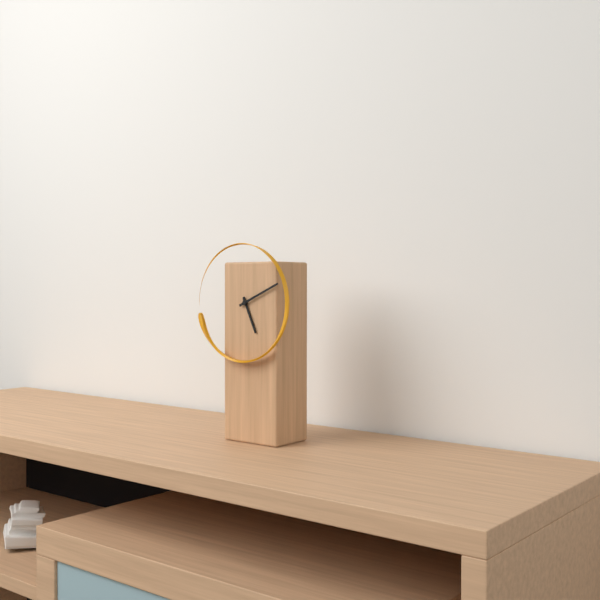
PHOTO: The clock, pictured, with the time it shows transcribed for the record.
5:11
